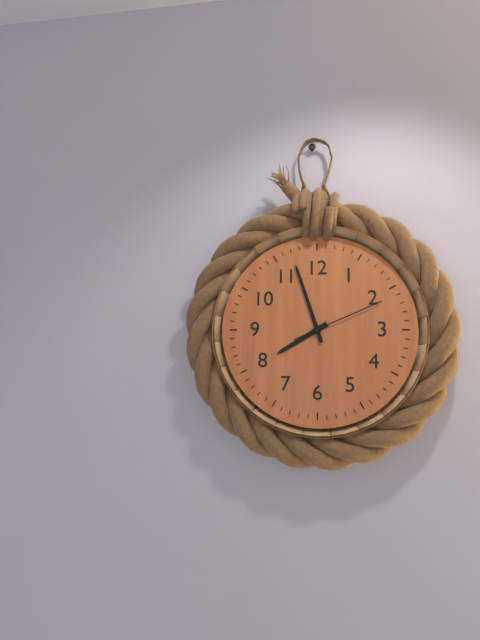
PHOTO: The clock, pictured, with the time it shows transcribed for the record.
7:57:11
